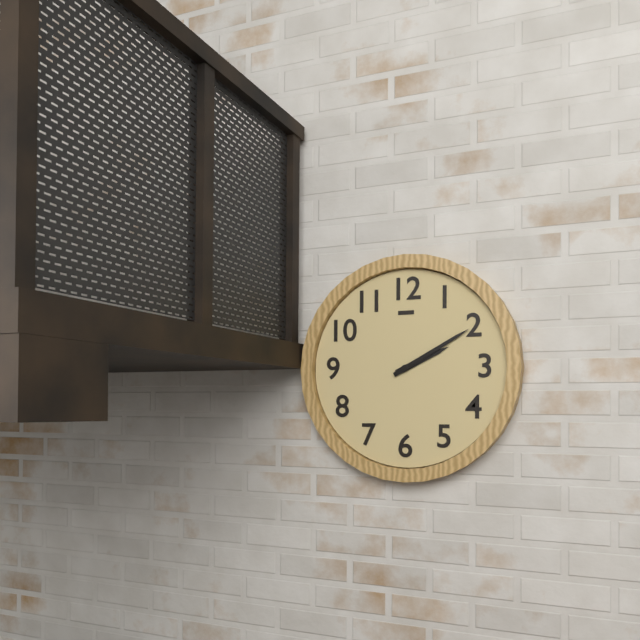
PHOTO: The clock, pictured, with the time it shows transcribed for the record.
2:10
